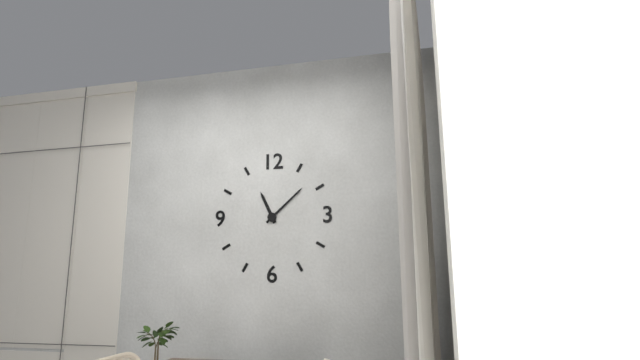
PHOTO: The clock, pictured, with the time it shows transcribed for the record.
11:08
